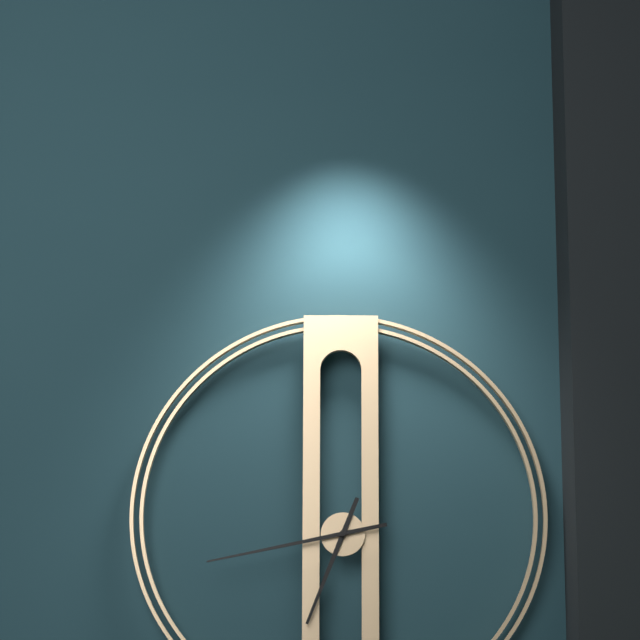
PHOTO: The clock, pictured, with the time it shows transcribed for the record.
6:43
